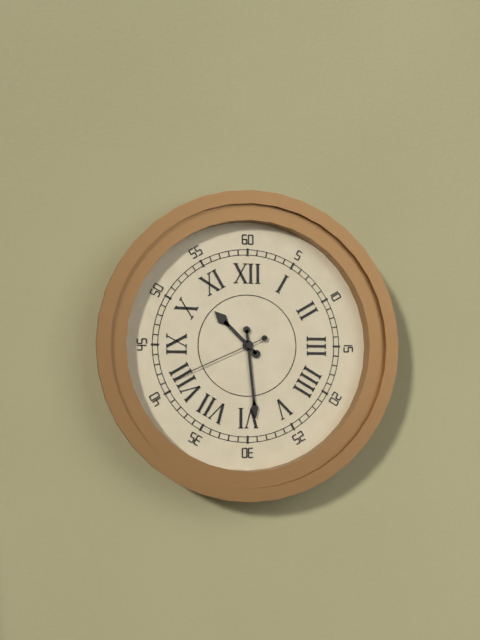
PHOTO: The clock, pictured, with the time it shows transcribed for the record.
10:29:41
